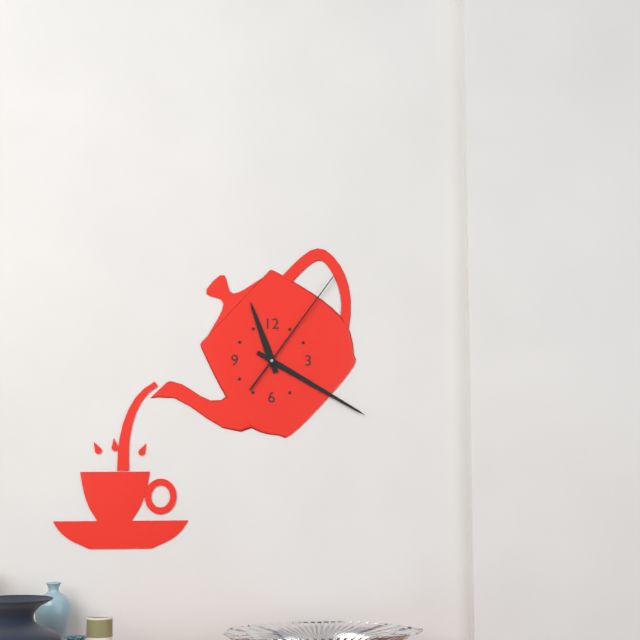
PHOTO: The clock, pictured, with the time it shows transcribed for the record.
11:20:06
